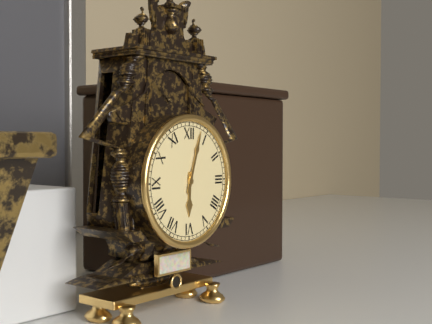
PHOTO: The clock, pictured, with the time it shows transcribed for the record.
6:03
